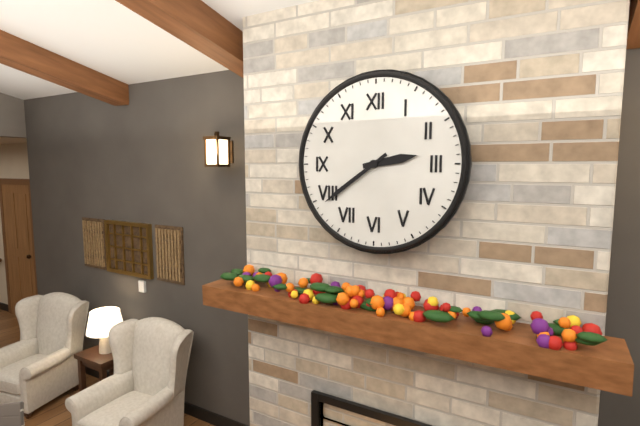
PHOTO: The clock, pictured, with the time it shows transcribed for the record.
2:39
